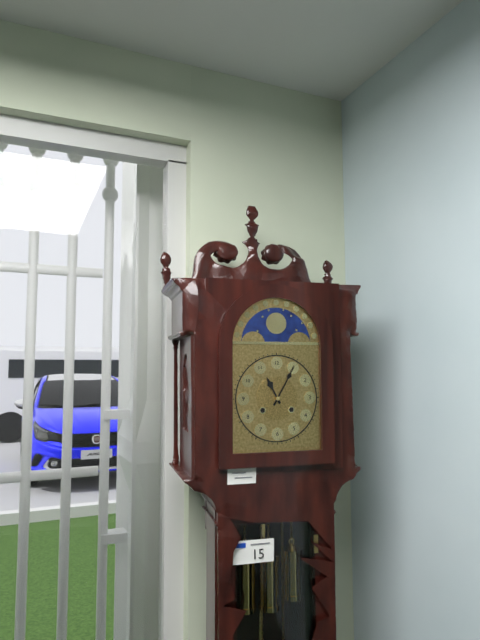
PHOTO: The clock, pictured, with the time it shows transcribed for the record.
11:05
